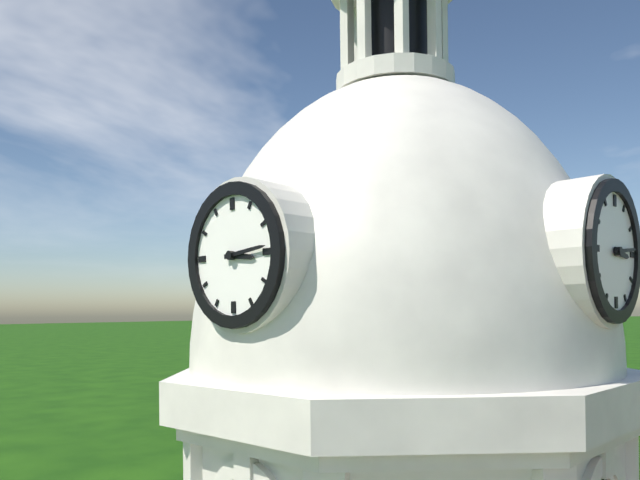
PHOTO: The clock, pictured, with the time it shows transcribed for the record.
3:14
